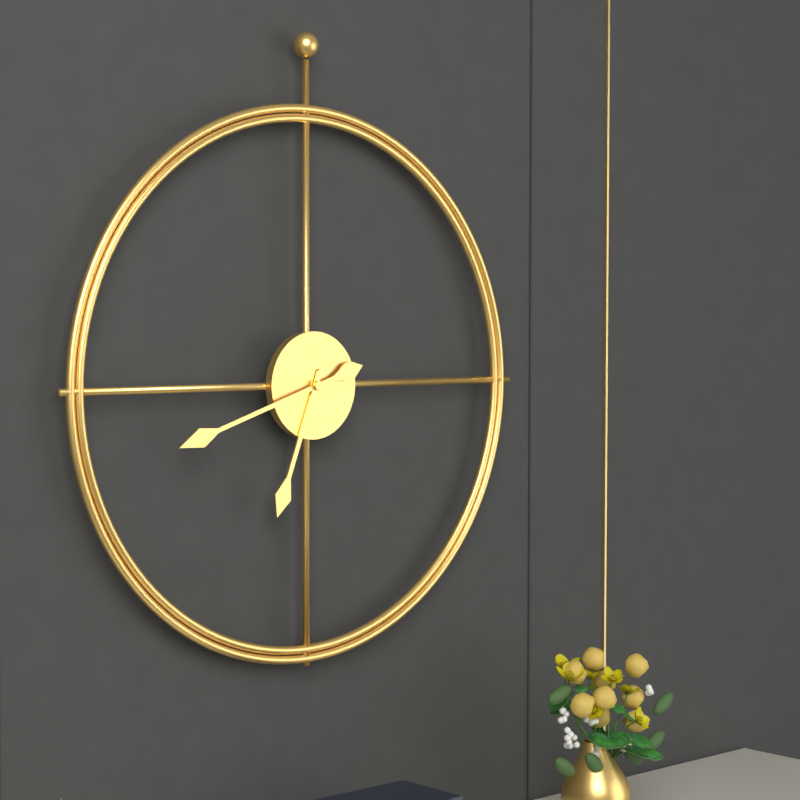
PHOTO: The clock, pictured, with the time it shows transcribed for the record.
6:42
